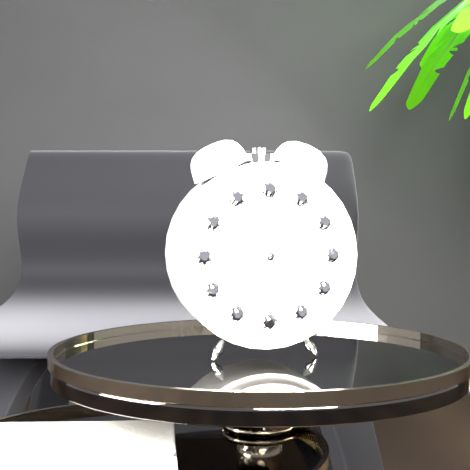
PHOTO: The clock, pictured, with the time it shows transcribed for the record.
3:46:41
